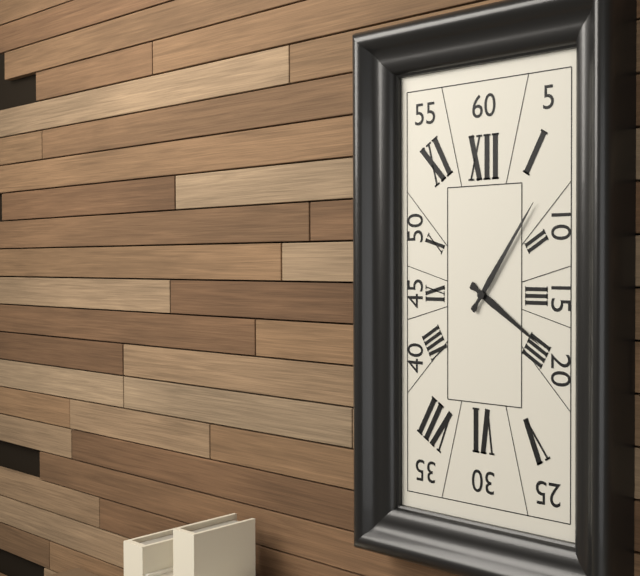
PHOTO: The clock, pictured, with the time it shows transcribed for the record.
4:06
